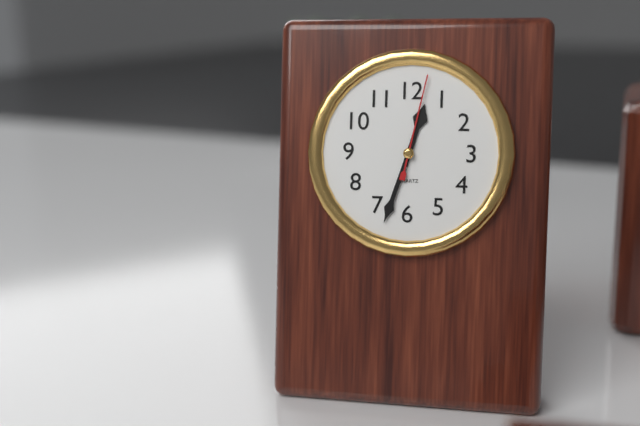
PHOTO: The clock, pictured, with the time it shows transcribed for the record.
12:33:02
